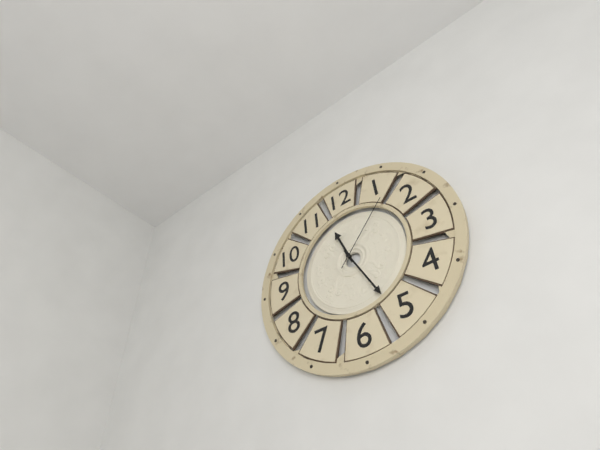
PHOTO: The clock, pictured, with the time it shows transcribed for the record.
11:26:07
